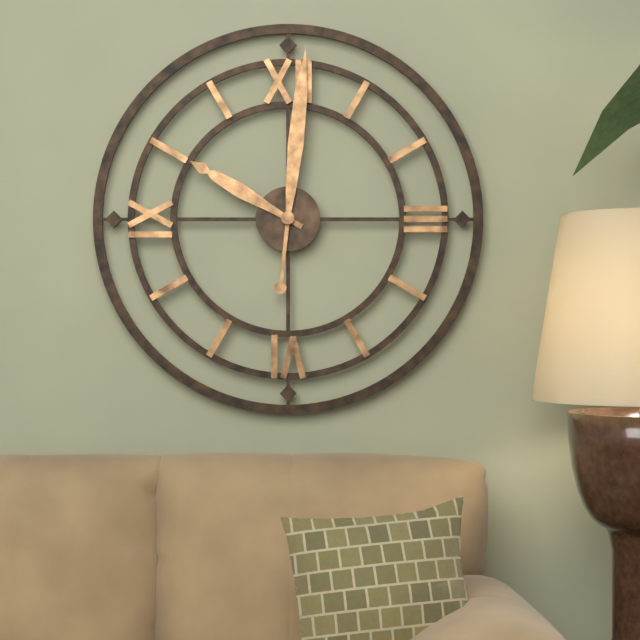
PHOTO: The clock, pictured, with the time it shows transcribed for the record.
10:01
